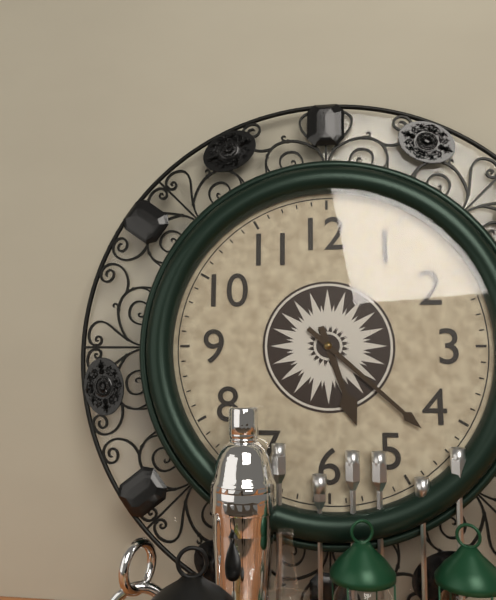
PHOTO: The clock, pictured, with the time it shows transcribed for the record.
5:22
